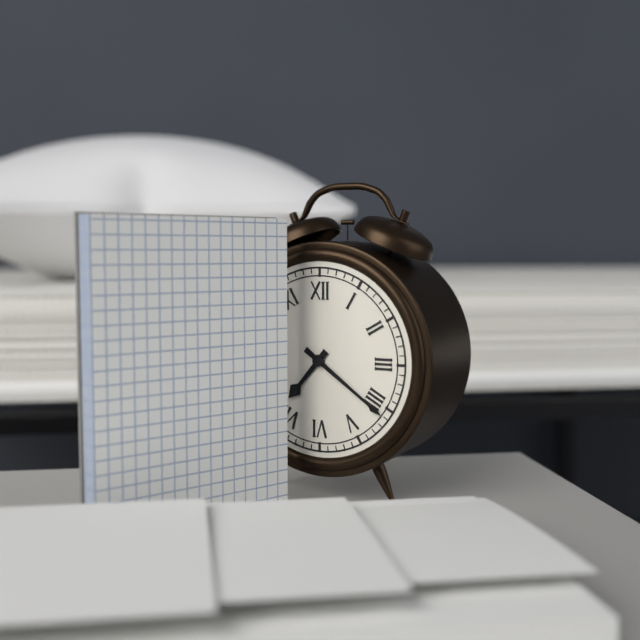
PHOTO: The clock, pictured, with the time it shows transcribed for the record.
7:21
